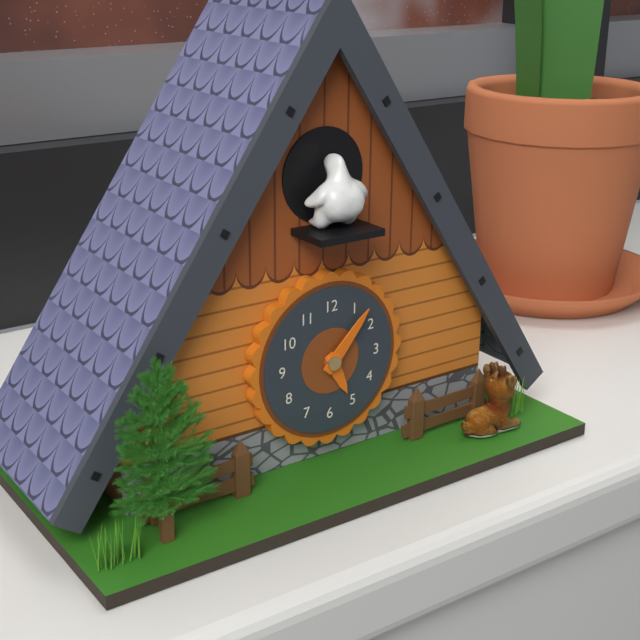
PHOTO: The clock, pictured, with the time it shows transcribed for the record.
5:07
